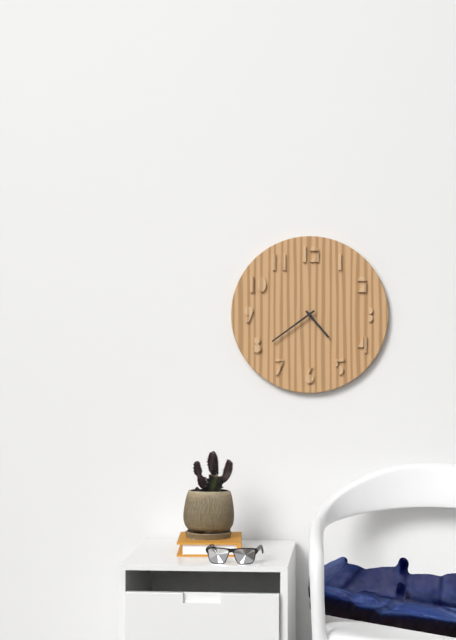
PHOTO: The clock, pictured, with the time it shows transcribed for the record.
4:39
